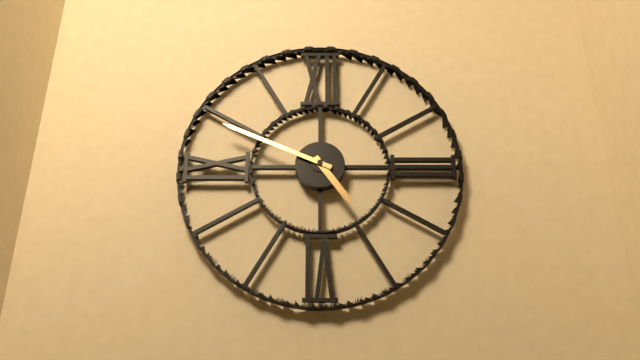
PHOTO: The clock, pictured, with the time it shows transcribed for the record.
4:49
